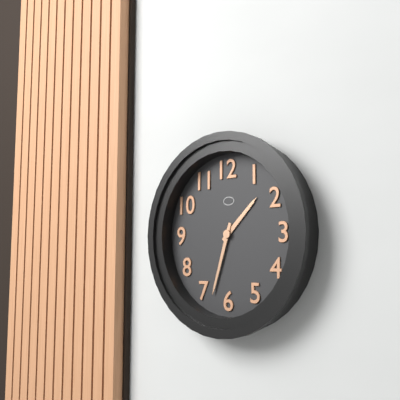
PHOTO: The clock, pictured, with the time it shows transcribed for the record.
1:33
